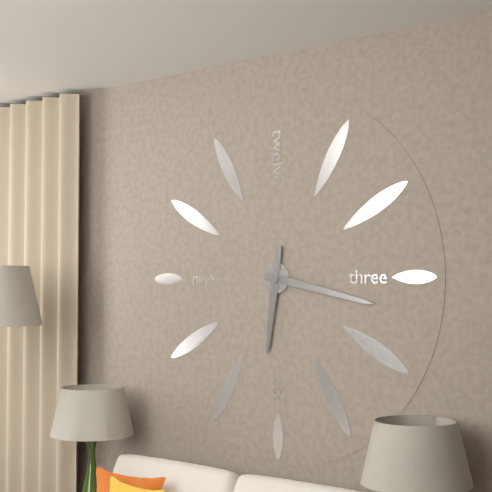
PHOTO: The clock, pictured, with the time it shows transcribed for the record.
6:17
